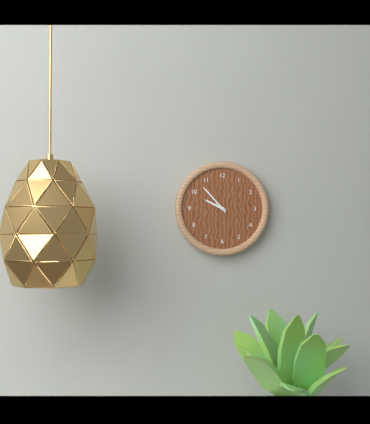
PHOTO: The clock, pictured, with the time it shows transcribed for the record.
9:53
